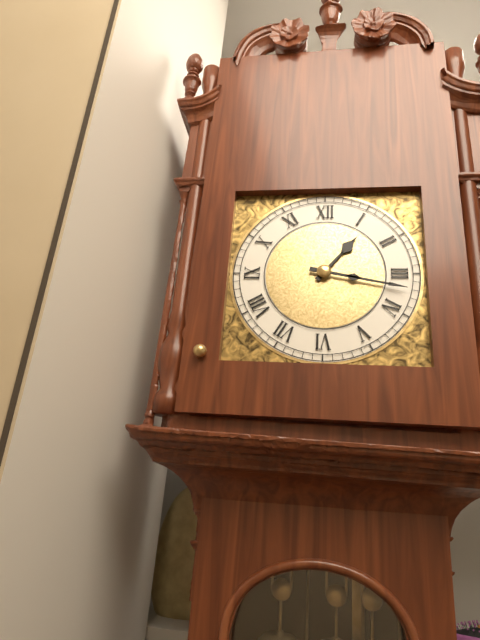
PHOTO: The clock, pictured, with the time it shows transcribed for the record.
1:17
